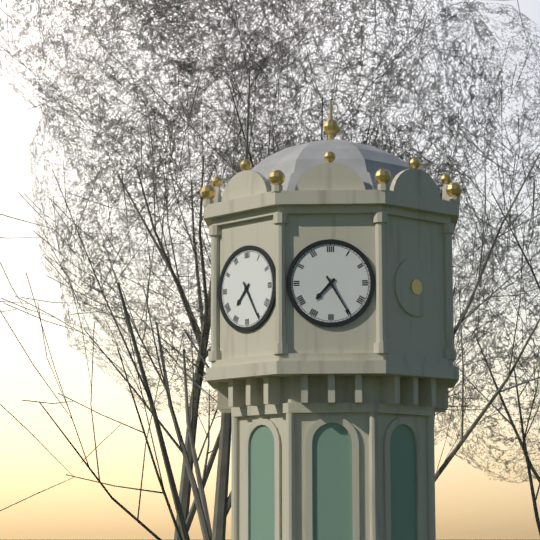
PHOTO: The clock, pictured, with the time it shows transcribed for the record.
7:25
